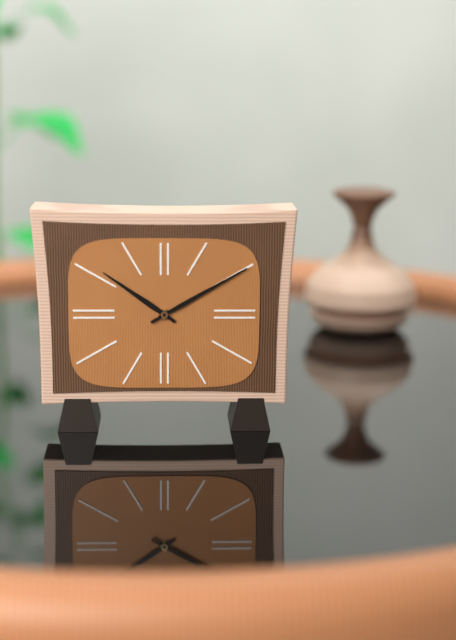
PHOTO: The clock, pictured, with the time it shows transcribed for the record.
10:10
